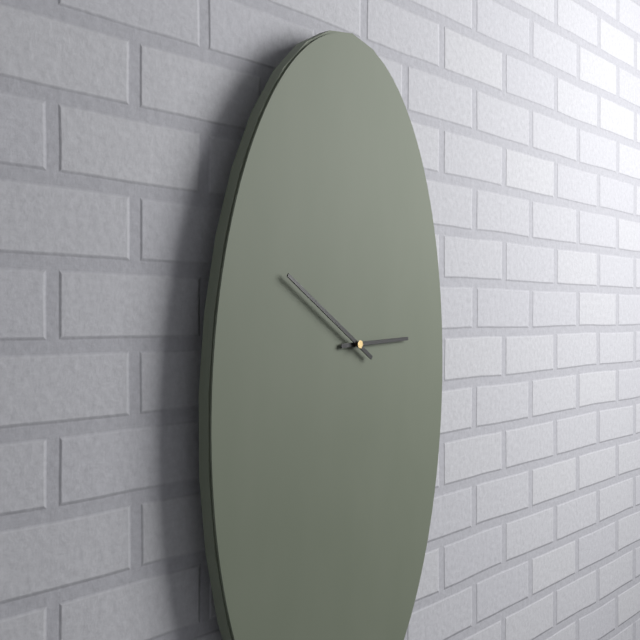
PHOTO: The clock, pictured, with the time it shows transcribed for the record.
2:50
